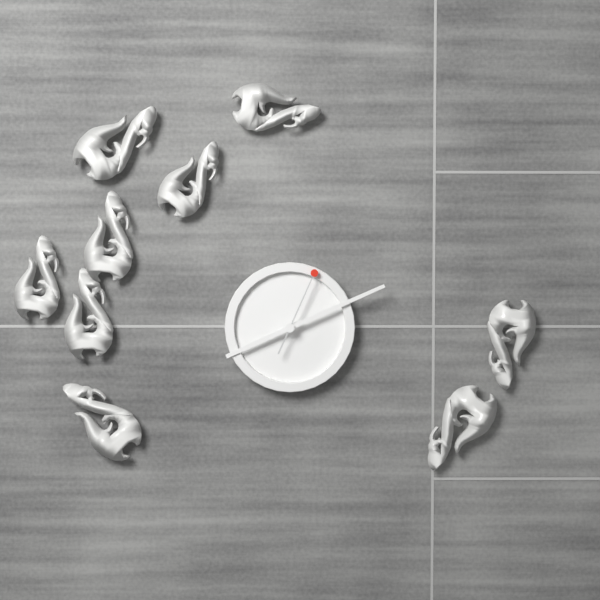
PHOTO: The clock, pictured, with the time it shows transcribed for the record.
8:11:04
